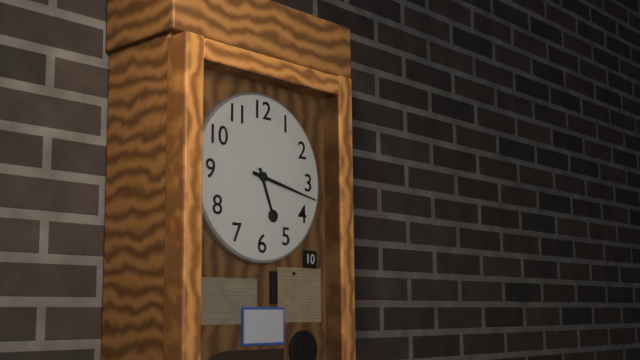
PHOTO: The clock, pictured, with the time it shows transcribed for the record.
5:17
